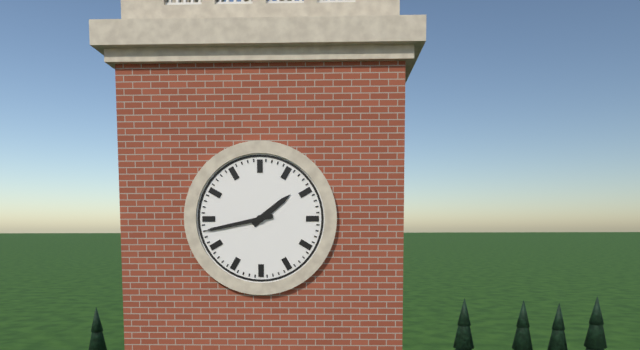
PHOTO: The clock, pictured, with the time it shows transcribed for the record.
1:43
